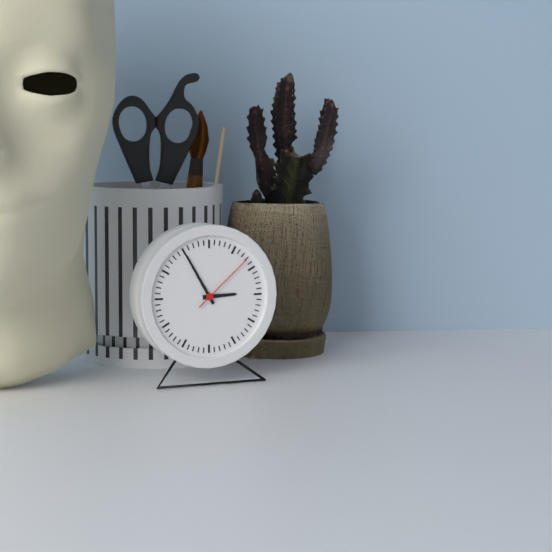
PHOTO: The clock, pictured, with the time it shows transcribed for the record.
2:55:08
